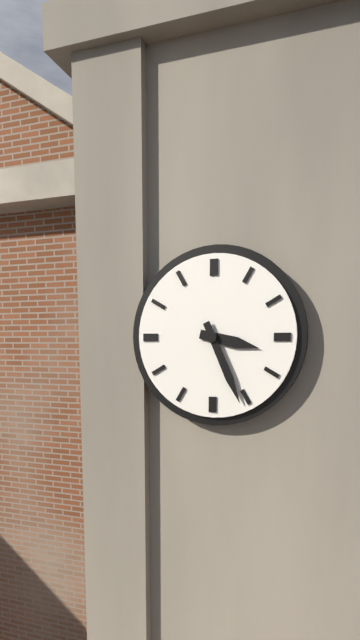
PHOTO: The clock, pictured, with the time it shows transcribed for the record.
3:26
